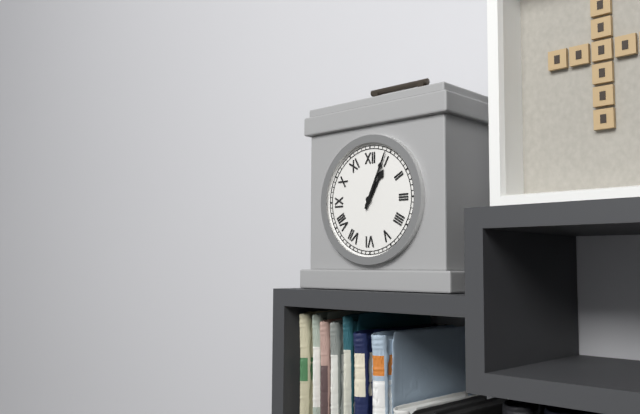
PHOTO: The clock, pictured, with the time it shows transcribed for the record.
1:04
